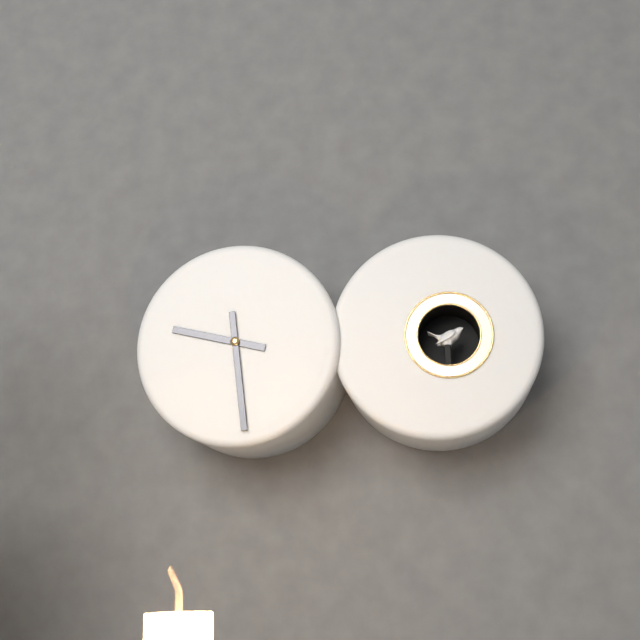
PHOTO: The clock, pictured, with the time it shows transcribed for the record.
9:29
